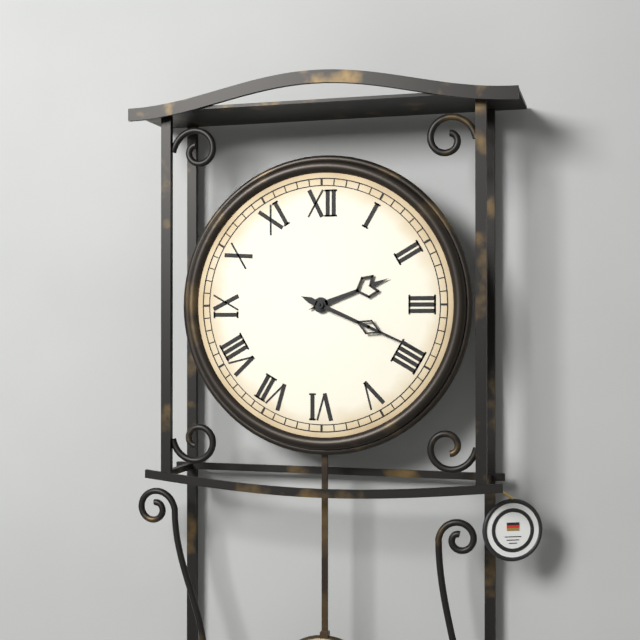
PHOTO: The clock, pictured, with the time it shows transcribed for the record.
2:19
